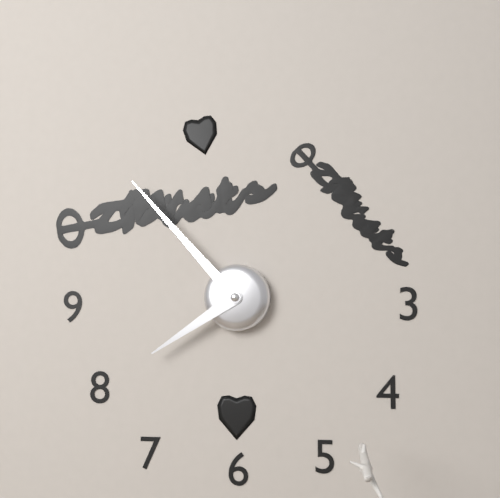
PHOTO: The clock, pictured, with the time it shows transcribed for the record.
7:53
